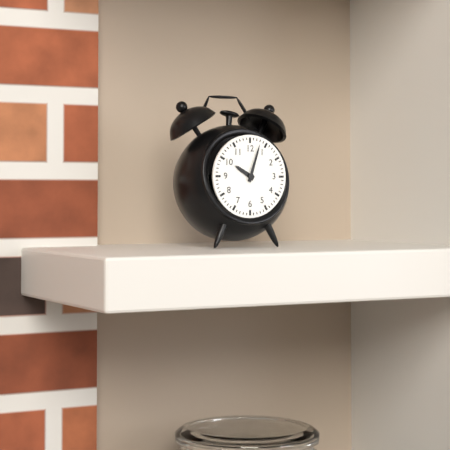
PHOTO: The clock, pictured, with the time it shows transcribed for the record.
10:03
